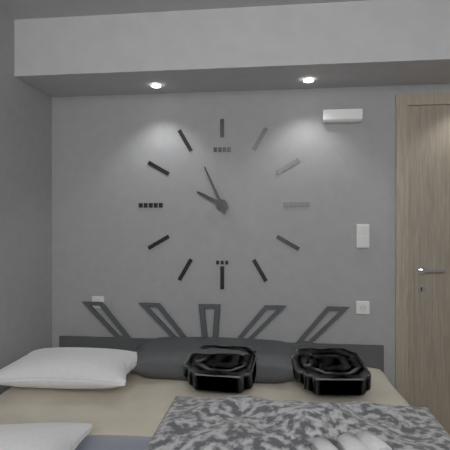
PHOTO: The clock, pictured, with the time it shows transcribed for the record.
9:56
